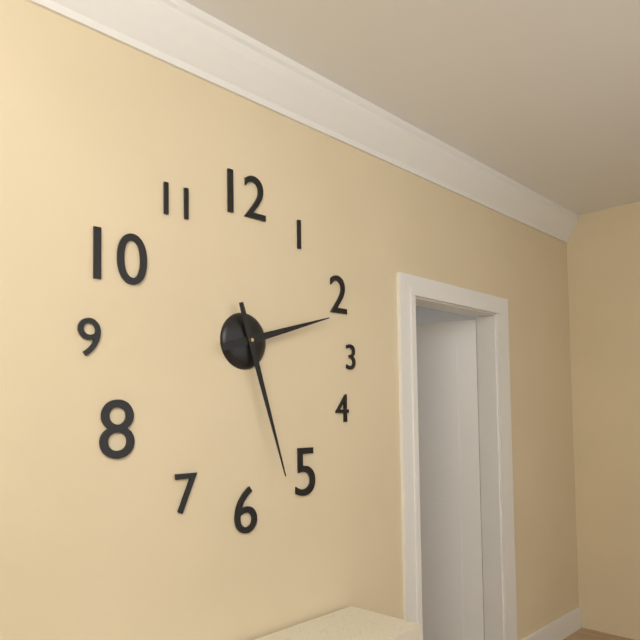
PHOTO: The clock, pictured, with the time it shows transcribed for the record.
2:27
